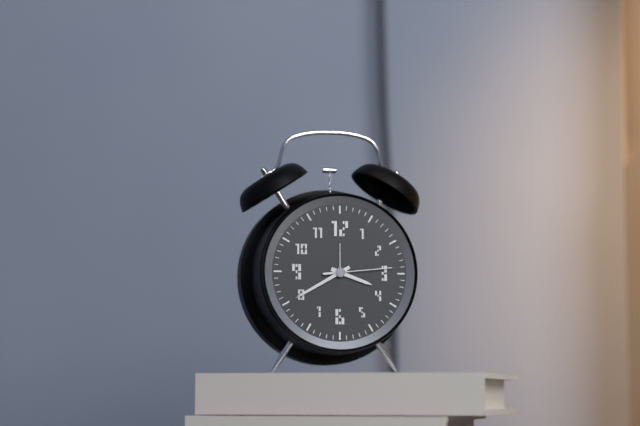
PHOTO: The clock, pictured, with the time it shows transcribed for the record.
3:40:14
